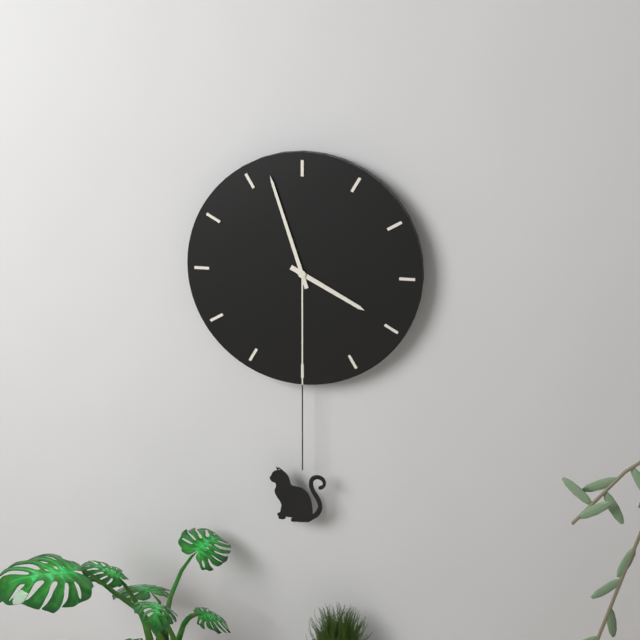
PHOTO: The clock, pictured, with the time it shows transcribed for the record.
3:57
